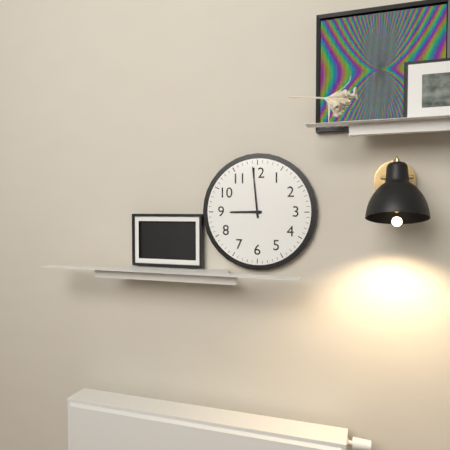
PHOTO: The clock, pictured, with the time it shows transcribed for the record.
8:59
